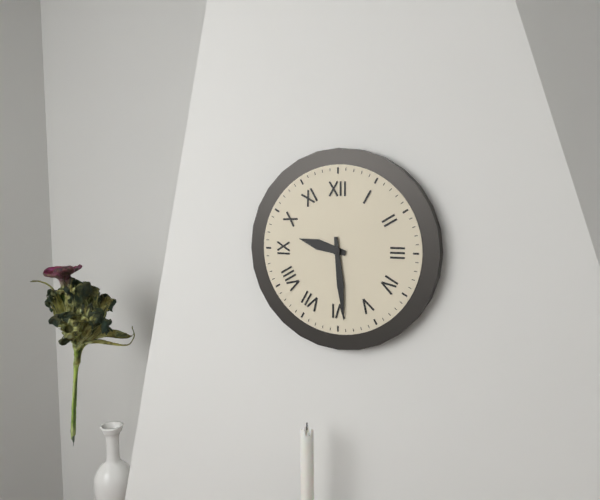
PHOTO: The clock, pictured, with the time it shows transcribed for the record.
9:29
